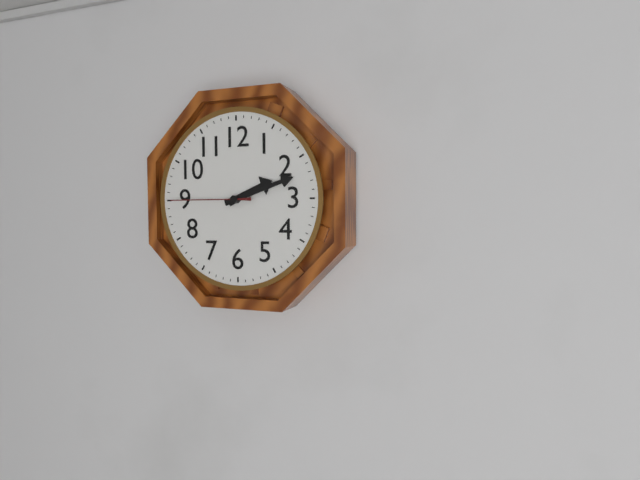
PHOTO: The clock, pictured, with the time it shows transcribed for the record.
2:12:45
